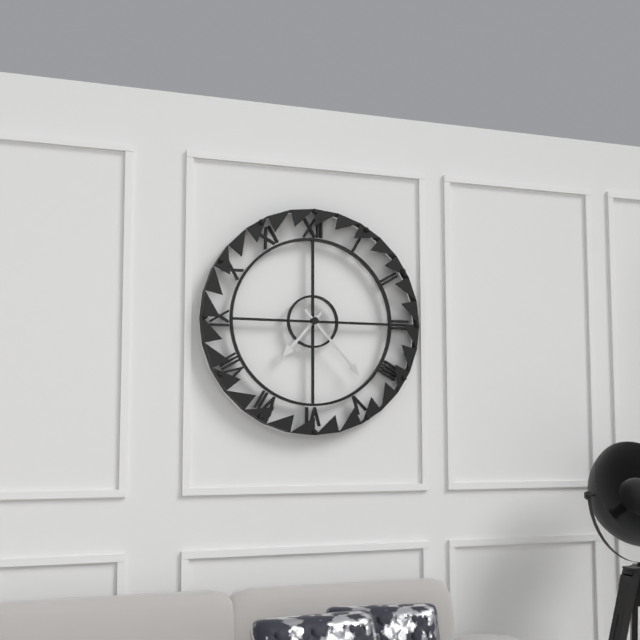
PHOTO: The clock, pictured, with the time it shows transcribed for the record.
7:23
